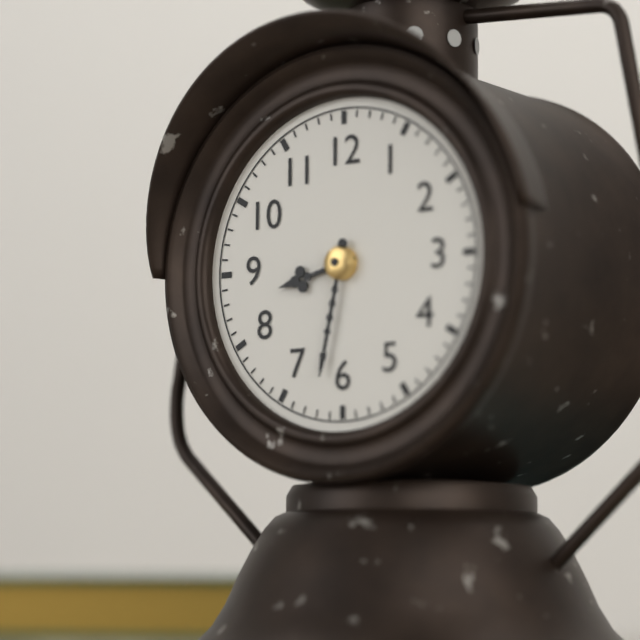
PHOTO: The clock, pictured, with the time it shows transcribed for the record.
8:32
